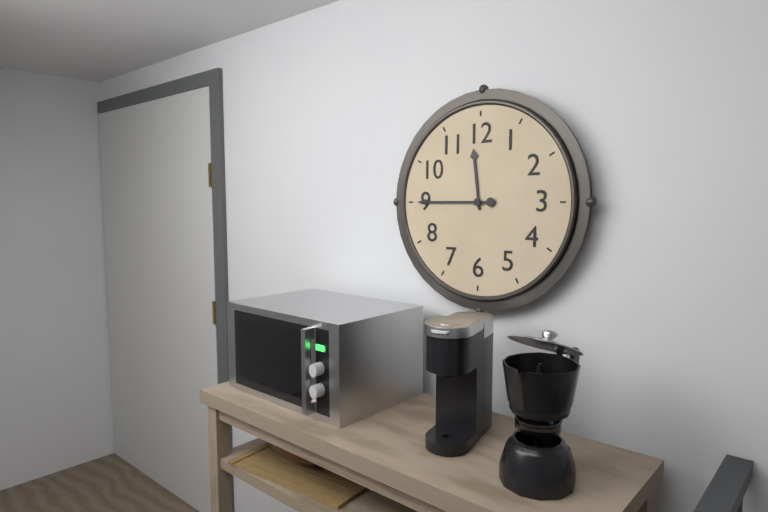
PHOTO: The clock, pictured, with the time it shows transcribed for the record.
11:45
